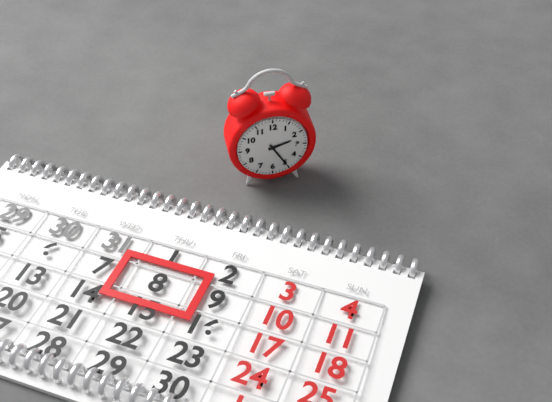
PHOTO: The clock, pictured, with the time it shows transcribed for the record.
2:25
